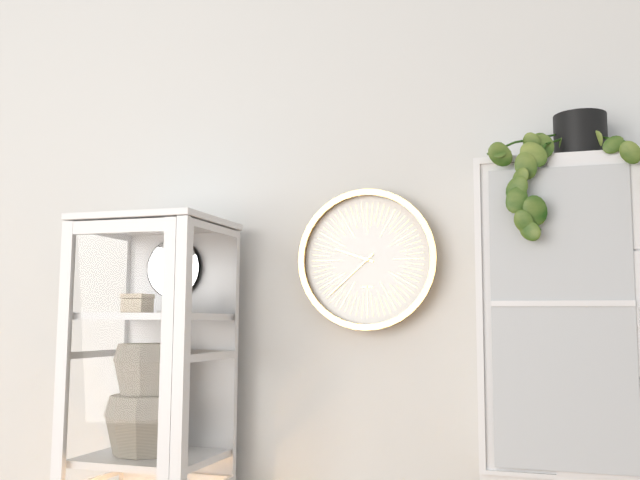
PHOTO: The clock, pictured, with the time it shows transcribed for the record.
9:38
